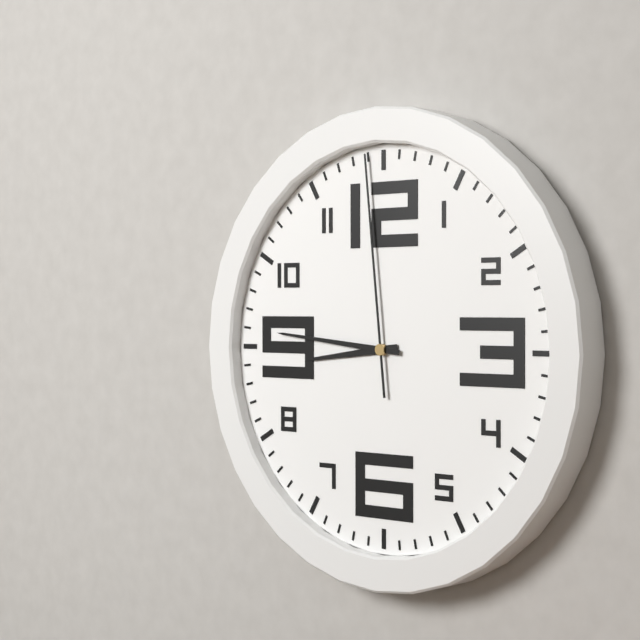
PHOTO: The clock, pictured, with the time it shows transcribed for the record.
8:46:59
